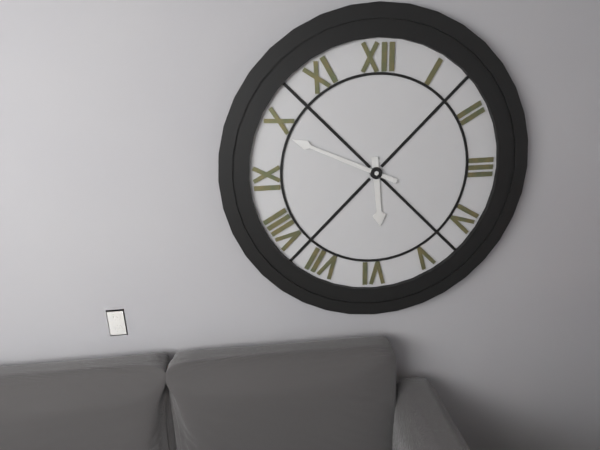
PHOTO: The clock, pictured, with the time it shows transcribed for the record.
5:49
